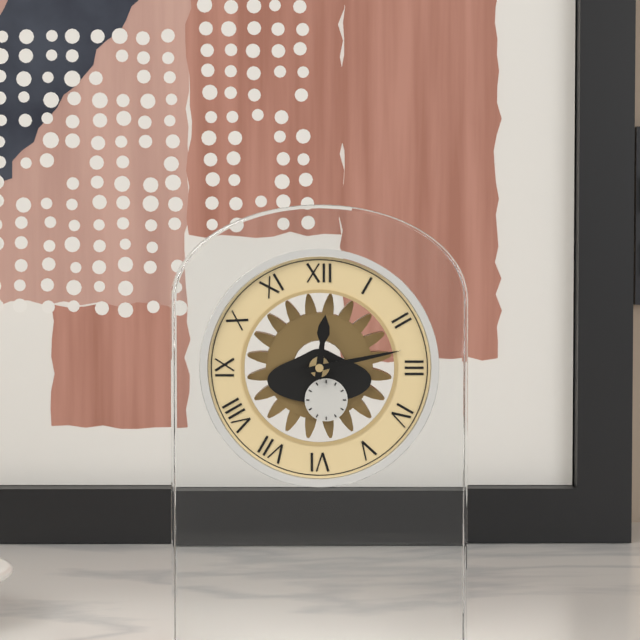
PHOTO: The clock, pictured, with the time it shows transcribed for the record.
12:13
